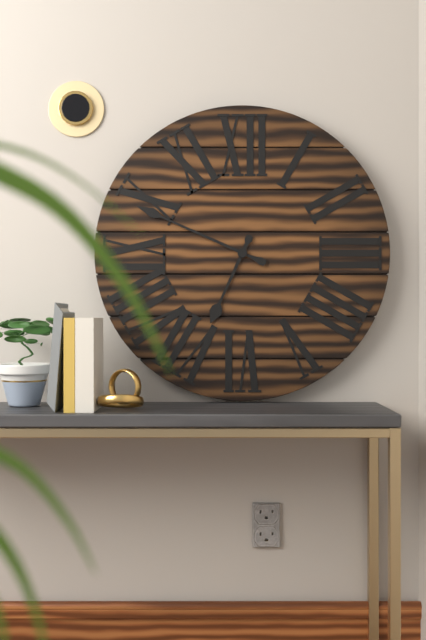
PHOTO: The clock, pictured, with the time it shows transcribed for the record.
6:49
